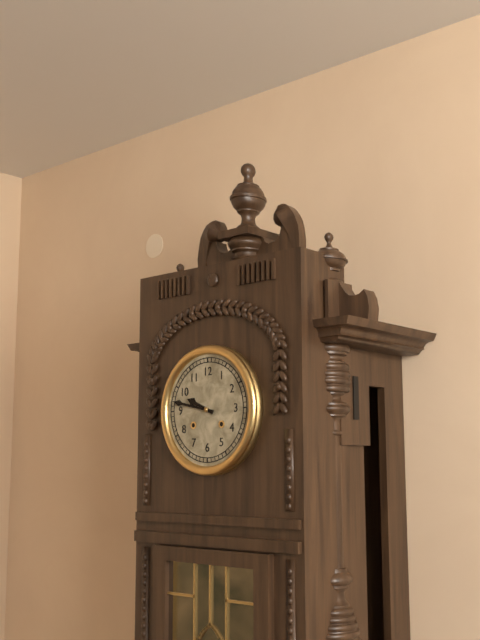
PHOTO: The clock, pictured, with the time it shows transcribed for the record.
9:47
